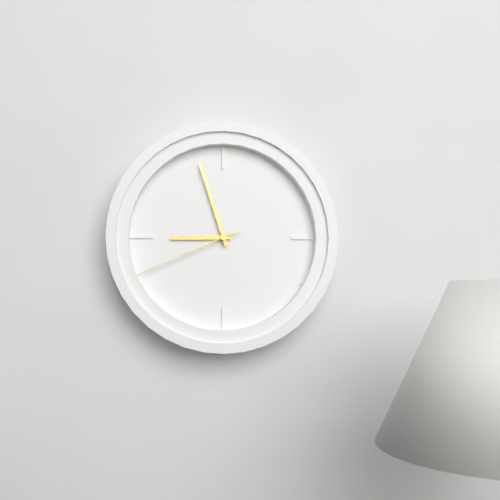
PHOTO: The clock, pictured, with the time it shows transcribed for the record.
8:57:41
